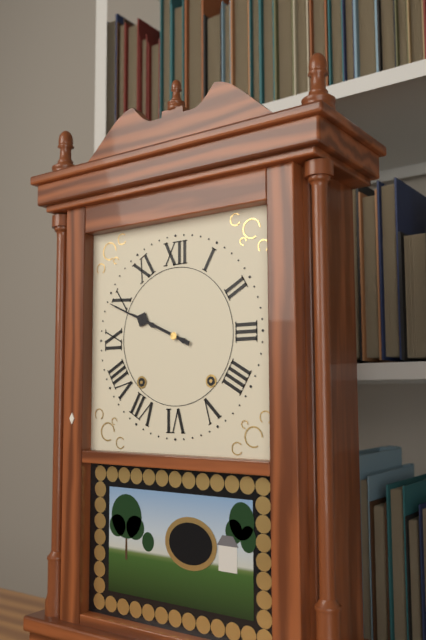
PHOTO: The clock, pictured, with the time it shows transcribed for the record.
9:49
